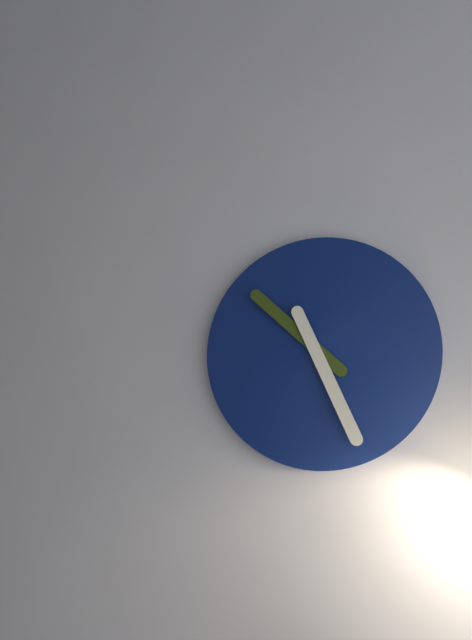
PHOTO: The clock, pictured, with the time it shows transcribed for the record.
10:26
